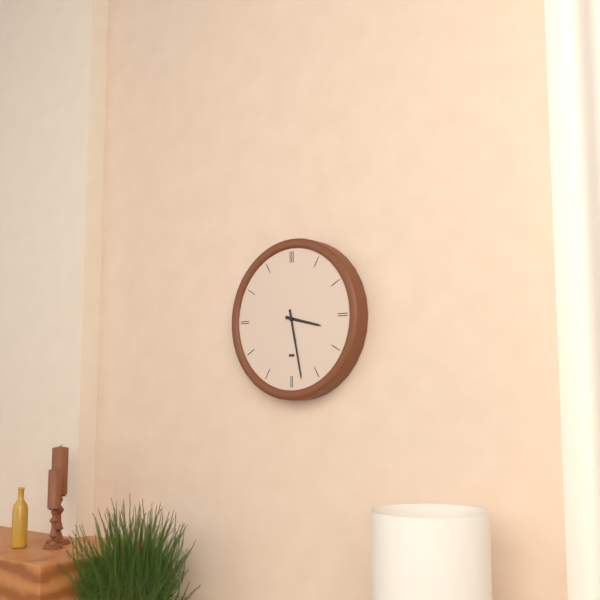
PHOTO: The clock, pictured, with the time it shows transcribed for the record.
3:28
